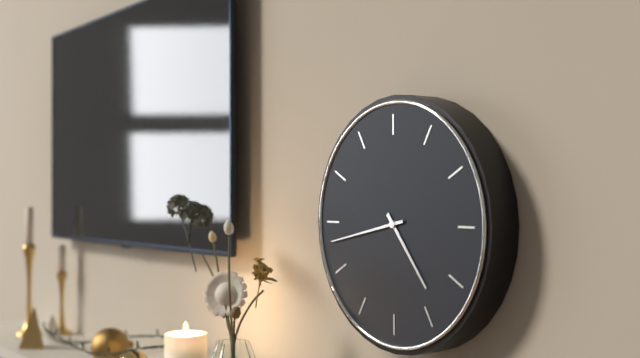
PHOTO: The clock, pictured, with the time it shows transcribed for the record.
4:43
